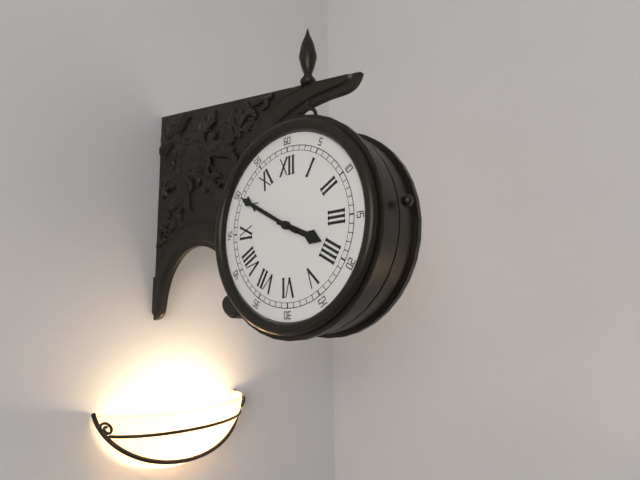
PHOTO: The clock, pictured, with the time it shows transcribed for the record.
3:50
